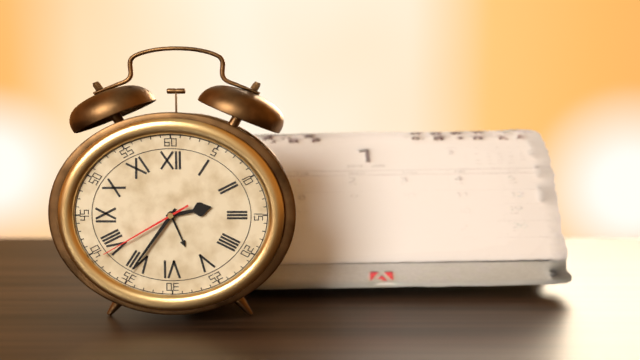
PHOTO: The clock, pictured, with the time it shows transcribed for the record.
2:36:40
